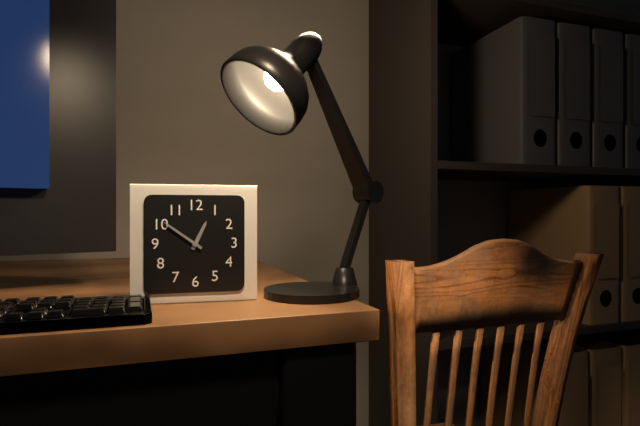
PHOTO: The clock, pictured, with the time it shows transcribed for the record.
12:51
